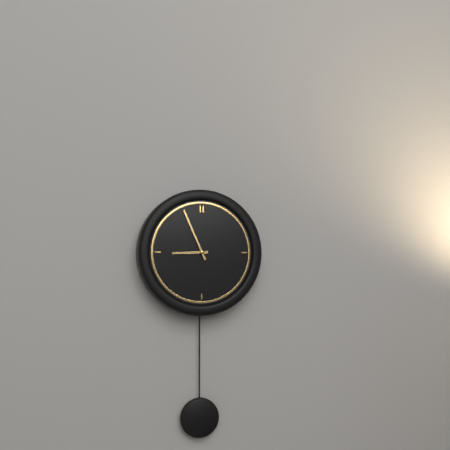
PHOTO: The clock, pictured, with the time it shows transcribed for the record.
8:56
